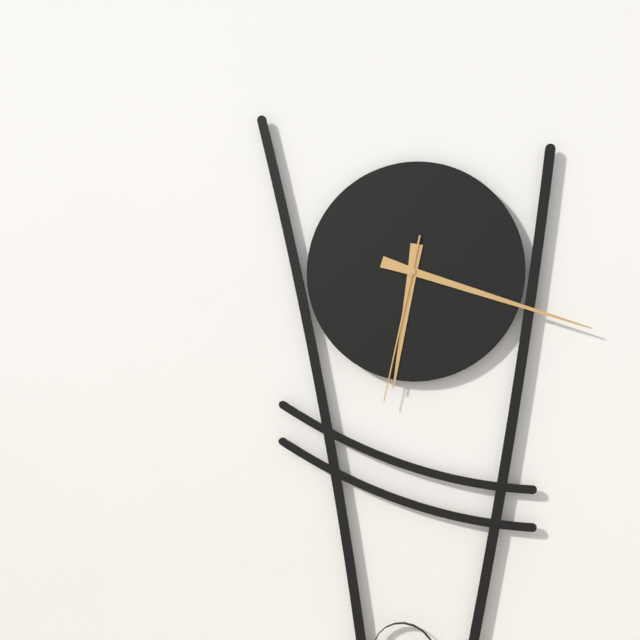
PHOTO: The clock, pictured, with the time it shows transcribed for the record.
6:18:32
